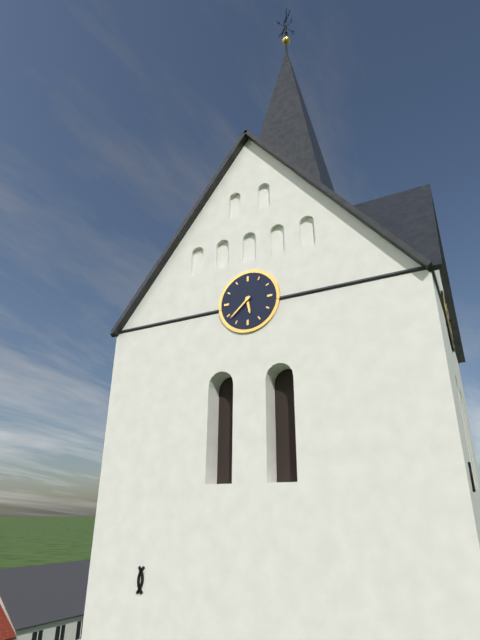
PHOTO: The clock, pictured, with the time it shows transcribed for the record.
5:38
